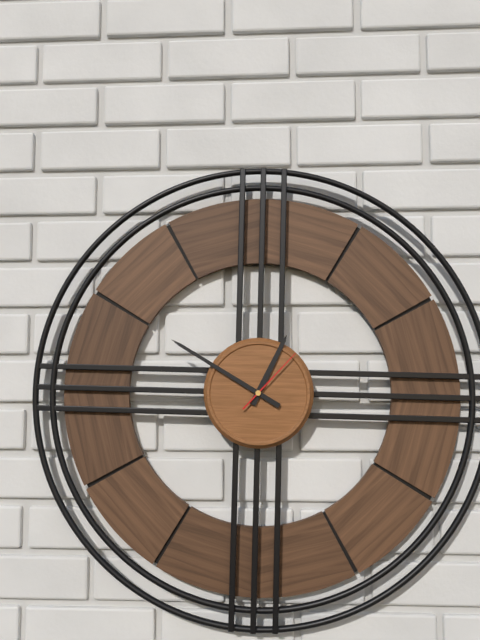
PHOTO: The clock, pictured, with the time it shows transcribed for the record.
12:50:07
